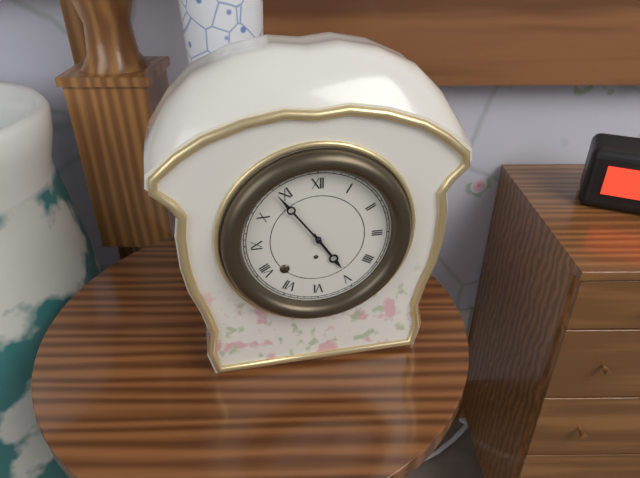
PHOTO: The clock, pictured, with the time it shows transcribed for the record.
4:54
